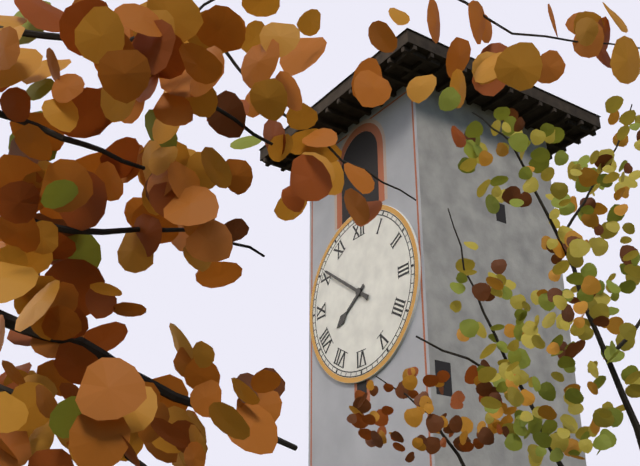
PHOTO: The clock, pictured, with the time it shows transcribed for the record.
7:51
